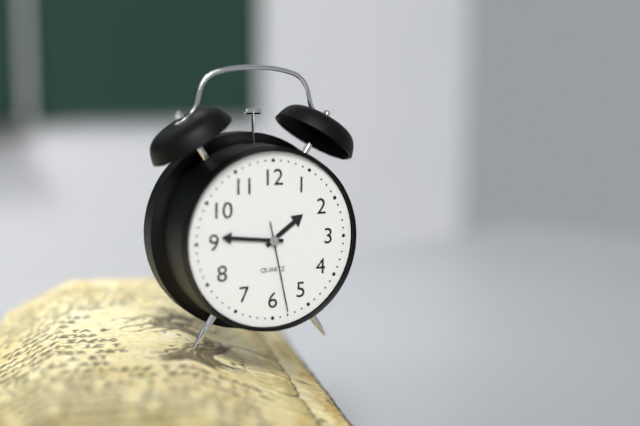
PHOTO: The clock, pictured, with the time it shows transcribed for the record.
1:46:28
